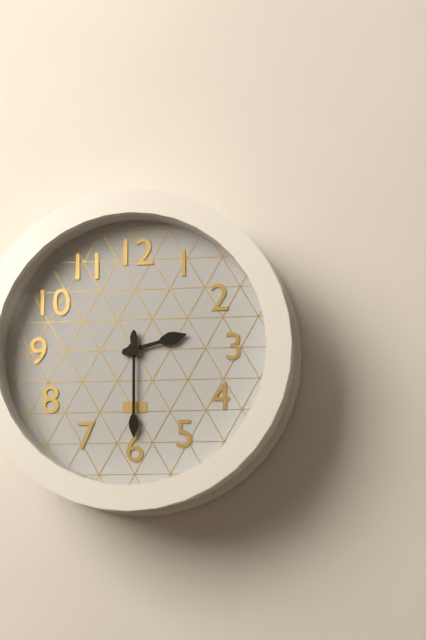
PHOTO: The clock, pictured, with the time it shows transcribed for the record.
2:30
